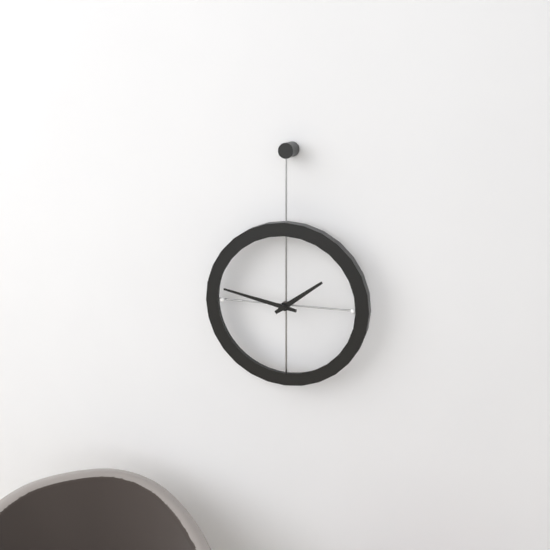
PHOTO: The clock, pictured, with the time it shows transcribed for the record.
1:47
